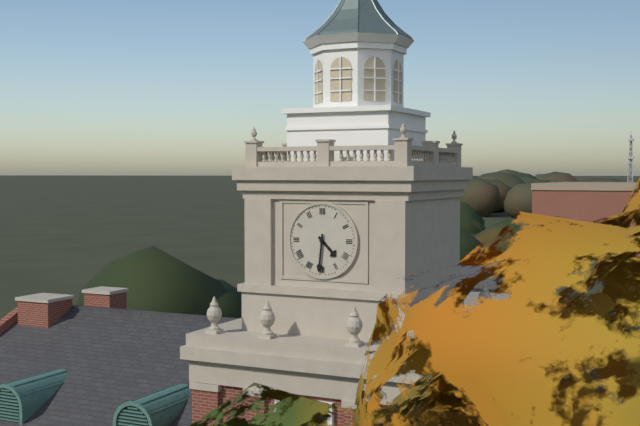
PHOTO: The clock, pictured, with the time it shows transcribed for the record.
4:31
